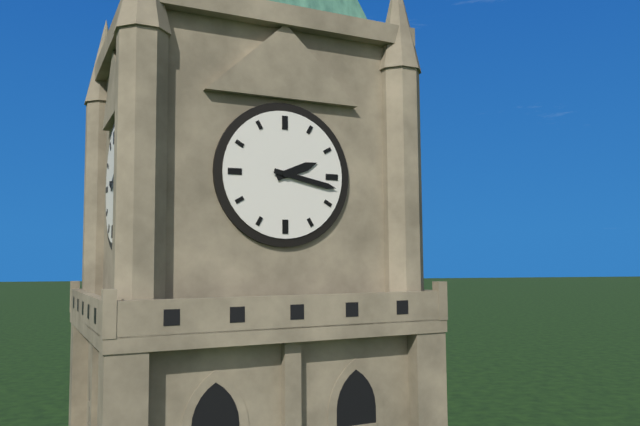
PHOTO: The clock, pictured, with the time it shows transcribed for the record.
2:17
